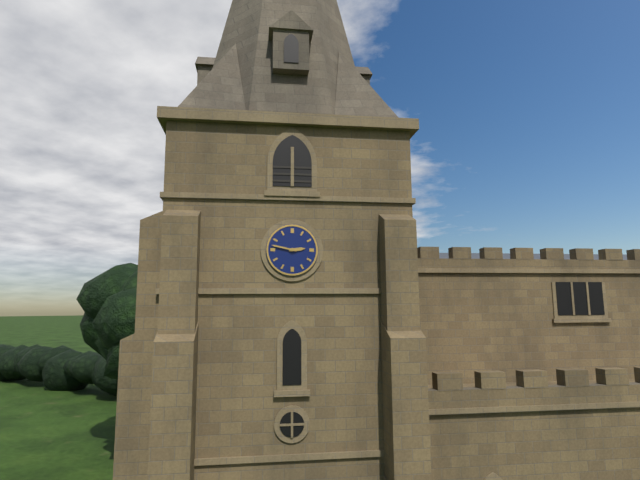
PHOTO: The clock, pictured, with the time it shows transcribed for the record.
2:47
